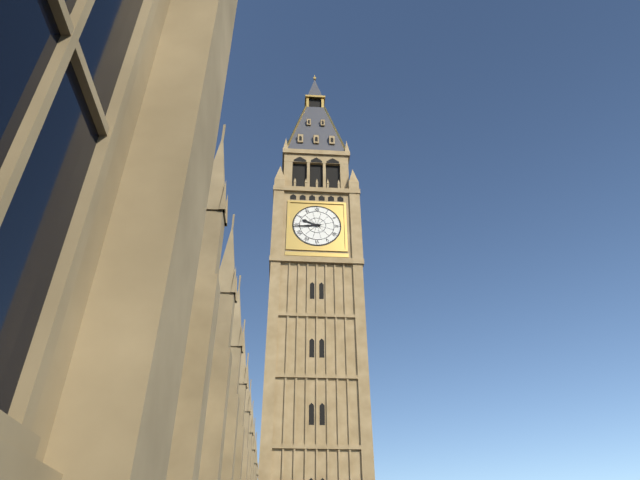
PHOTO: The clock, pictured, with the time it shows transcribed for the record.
9:44
